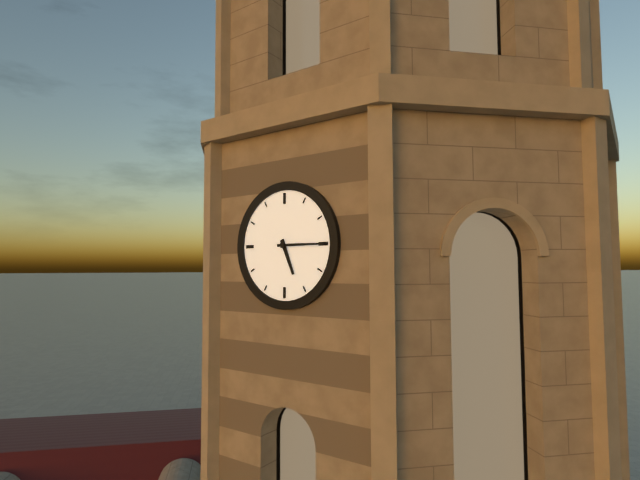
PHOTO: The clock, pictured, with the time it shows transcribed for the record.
5:15
